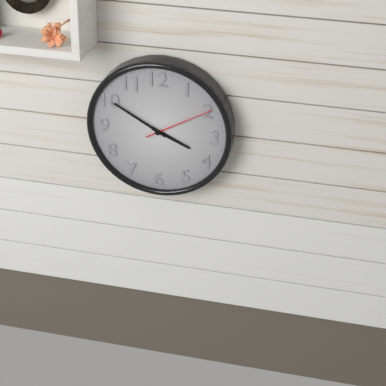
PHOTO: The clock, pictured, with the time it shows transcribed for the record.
3:50:10
